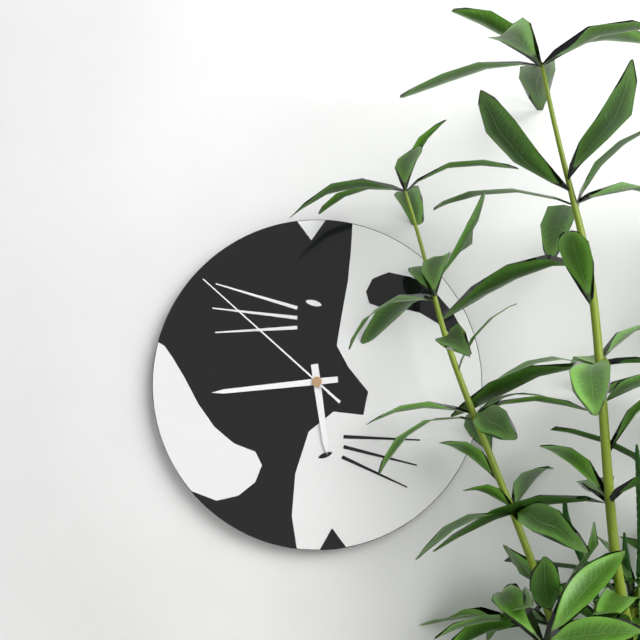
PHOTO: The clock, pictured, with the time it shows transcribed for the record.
5:44:52
